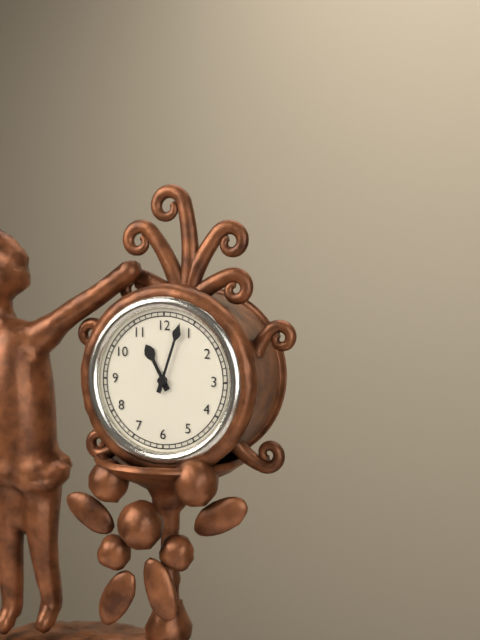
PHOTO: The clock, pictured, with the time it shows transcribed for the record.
11:03
